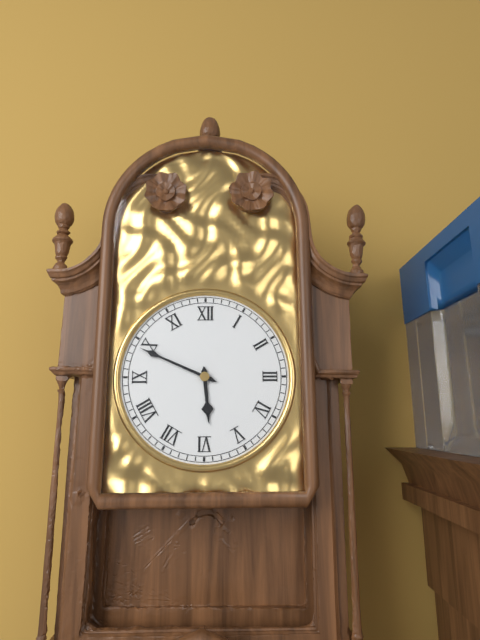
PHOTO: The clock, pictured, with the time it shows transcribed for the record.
5:49
